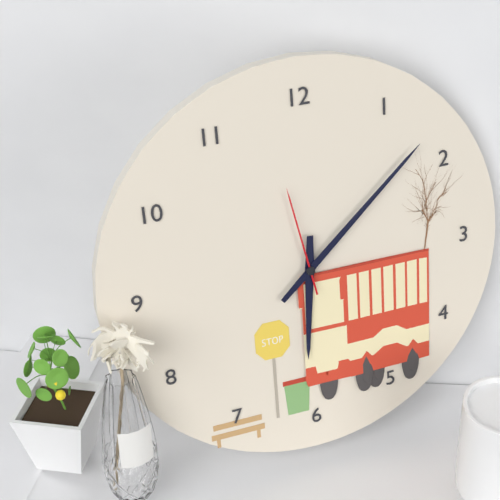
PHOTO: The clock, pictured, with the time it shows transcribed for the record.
6:08:58
